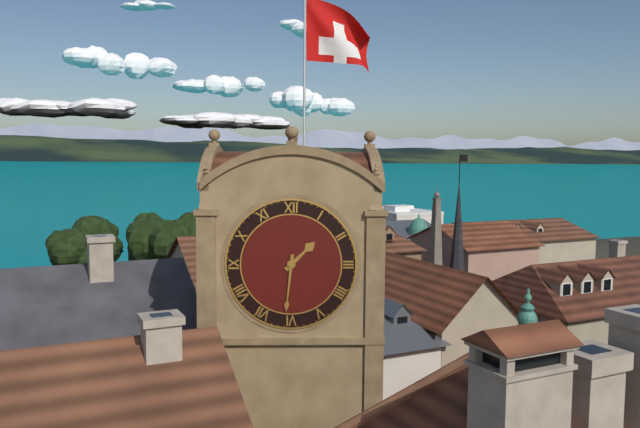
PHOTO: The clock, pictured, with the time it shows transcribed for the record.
1:31
